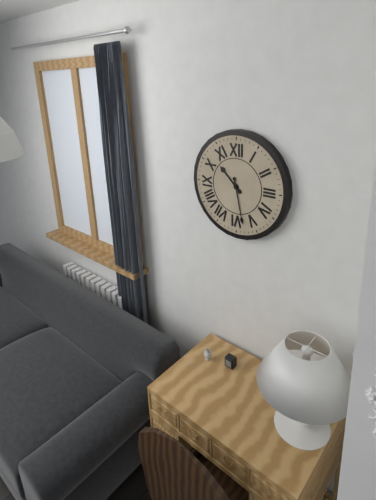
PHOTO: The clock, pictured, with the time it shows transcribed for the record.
10:28
